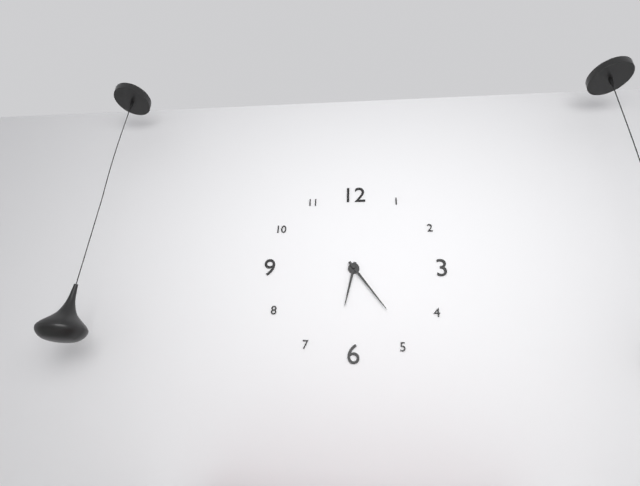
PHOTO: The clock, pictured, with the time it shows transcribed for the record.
6:24
